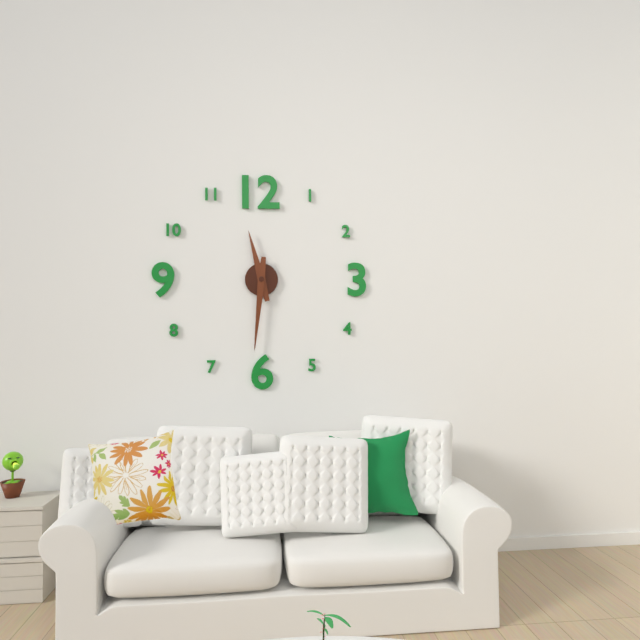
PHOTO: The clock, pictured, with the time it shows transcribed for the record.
11:31
